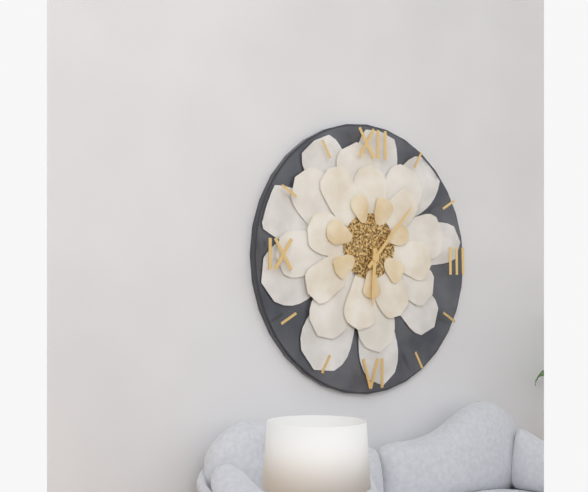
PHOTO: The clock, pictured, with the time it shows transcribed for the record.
6:07
